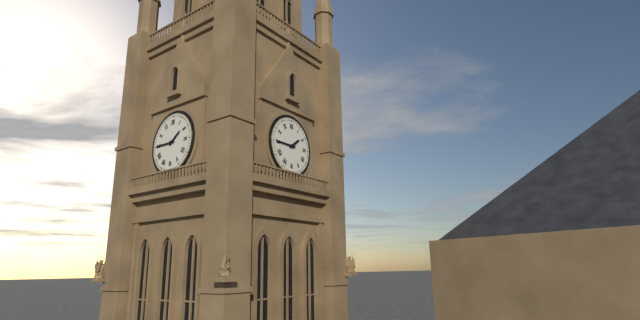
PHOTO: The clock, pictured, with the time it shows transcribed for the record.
1:45
